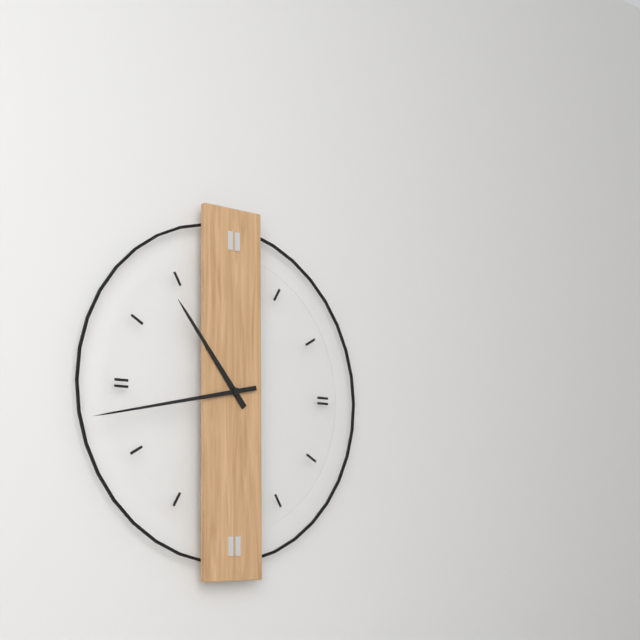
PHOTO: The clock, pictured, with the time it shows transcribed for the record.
10:43
